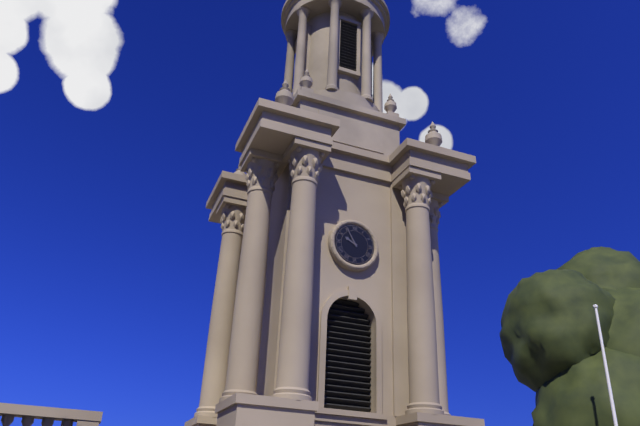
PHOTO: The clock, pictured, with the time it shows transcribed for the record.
9:55
